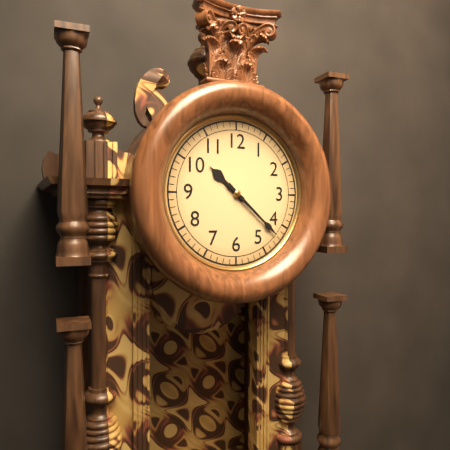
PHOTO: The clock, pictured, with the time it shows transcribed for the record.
10:22
